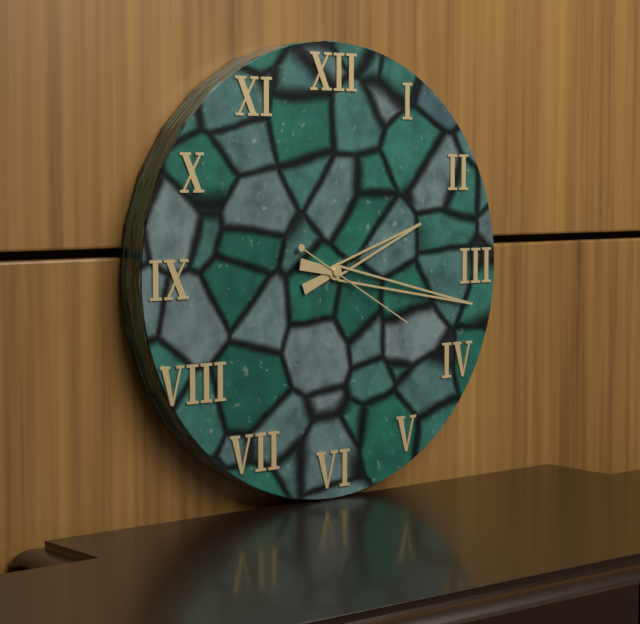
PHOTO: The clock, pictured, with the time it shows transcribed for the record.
2:17:20
